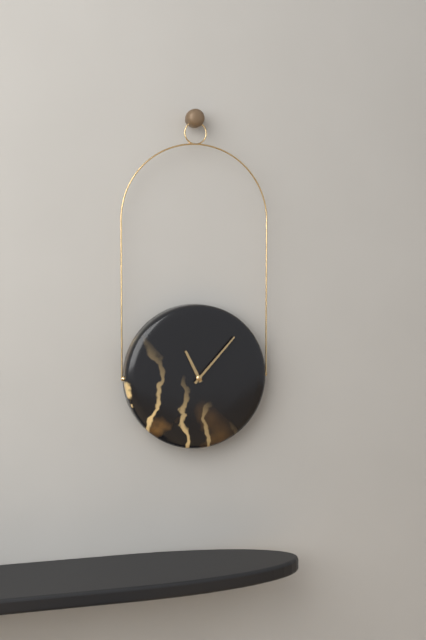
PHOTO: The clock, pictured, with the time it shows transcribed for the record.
11:07
